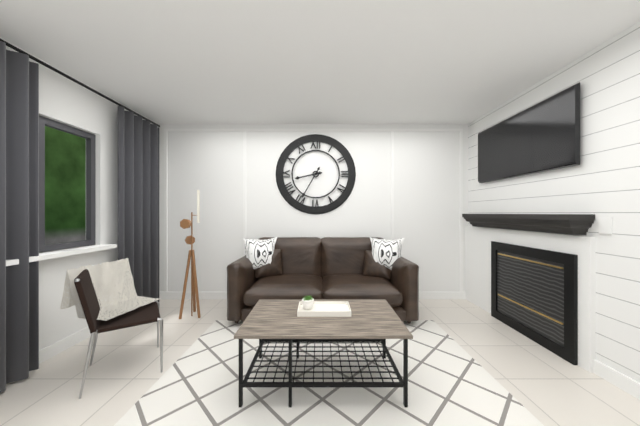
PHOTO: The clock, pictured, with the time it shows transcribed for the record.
8:35
